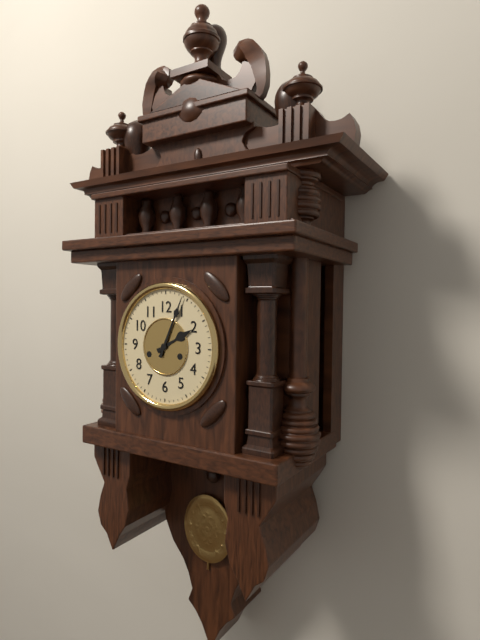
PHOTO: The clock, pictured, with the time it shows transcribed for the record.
2:04
